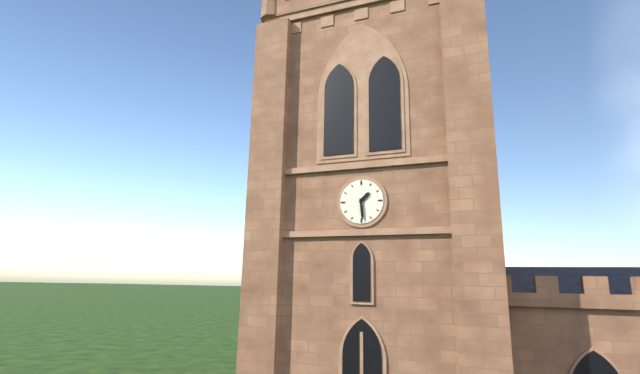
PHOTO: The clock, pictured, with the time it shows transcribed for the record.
1:29
